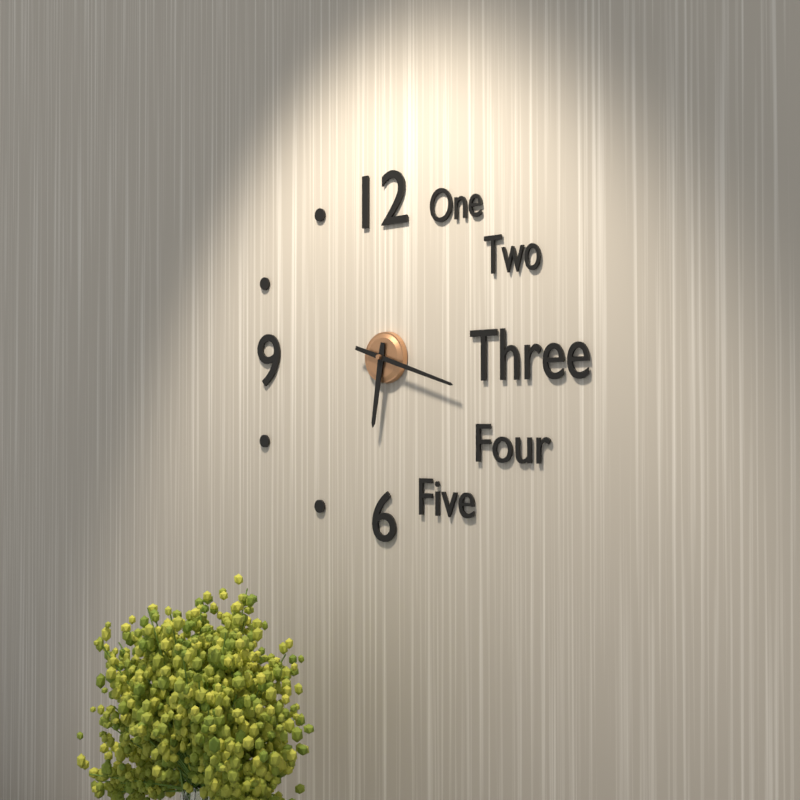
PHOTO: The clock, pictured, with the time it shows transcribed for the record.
6:18
